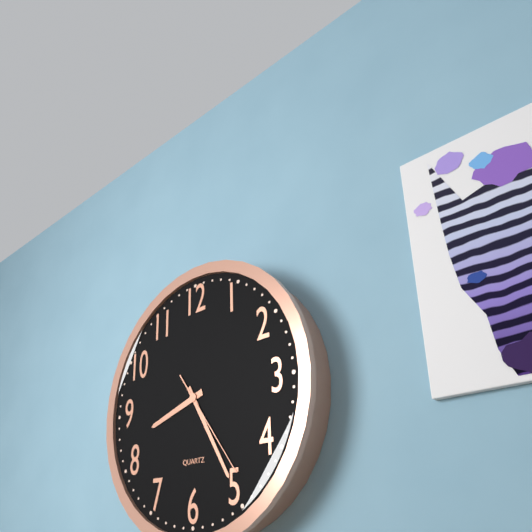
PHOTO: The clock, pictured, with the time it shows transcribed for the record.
8:25:24
